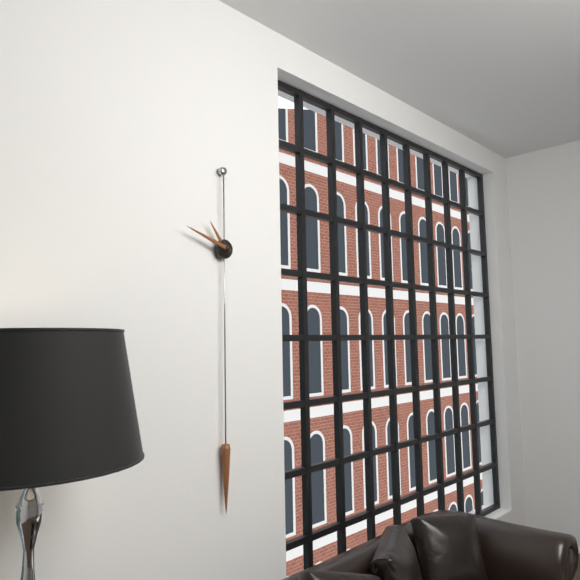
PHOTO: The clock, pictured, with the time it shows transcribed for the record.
10:48
